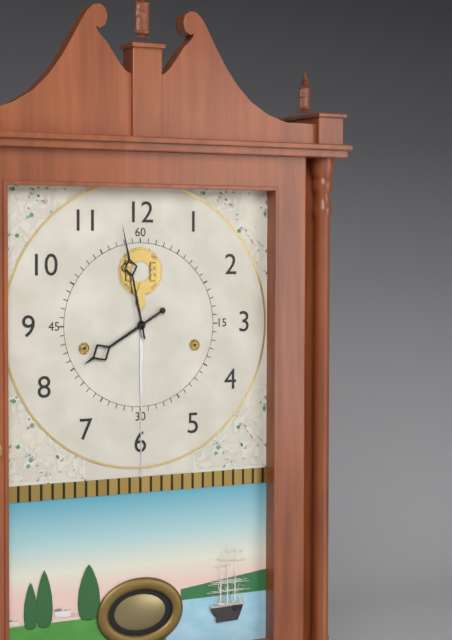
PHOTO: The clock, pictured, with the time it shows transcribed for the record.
7:58
